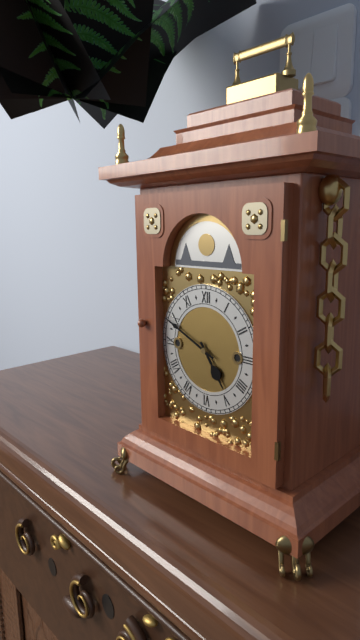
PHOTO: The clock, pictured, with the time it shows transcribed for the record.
4:49
